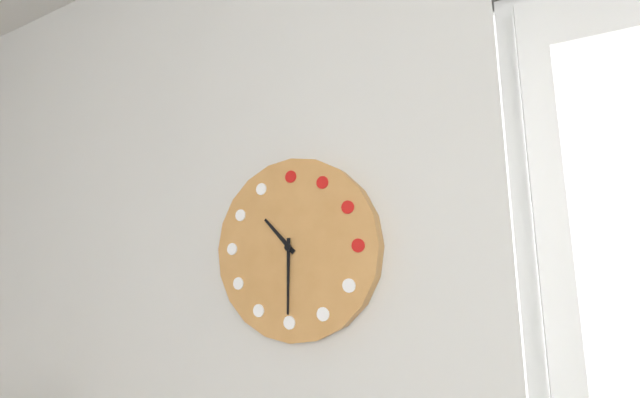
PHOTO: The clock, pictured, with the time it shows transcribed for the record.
10:30
